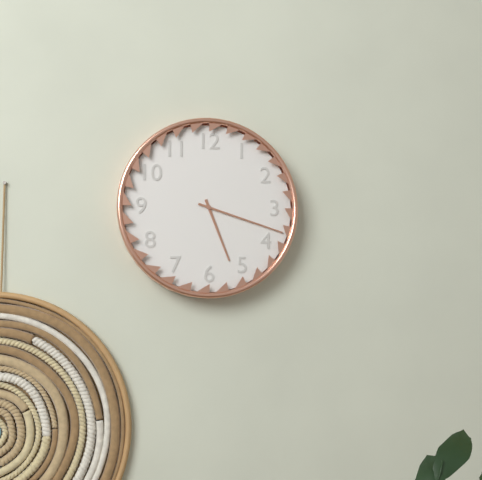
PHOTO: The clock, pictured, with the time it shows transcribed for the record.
5:18
